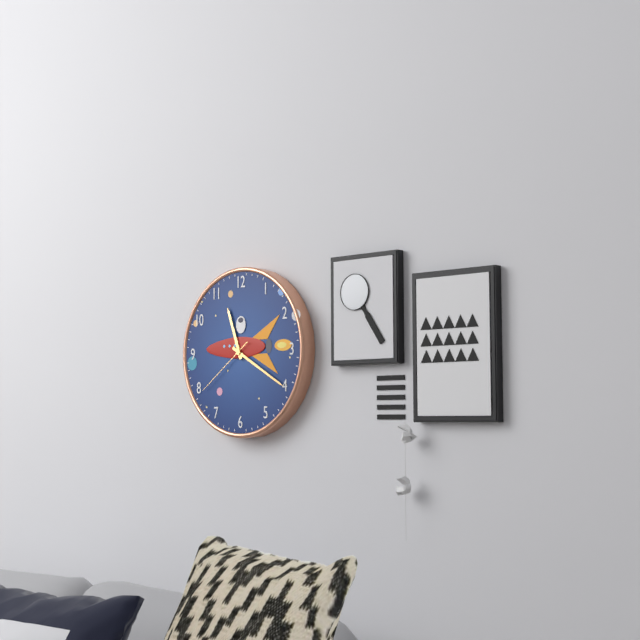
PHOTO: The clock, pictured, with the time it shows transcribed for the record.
11:20:39
